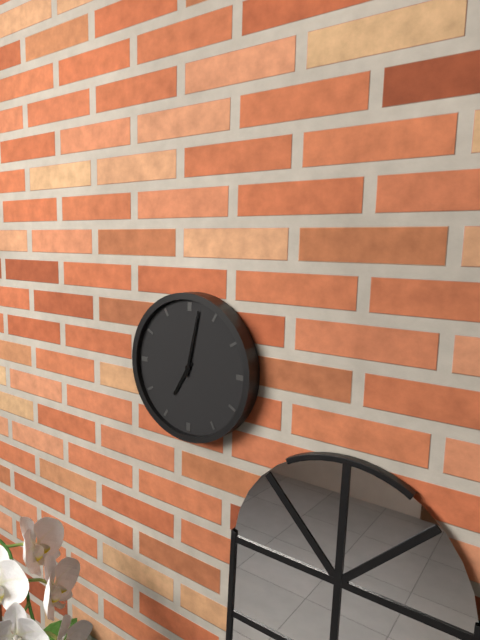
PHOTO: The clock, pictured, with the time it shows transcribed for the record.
7:02
